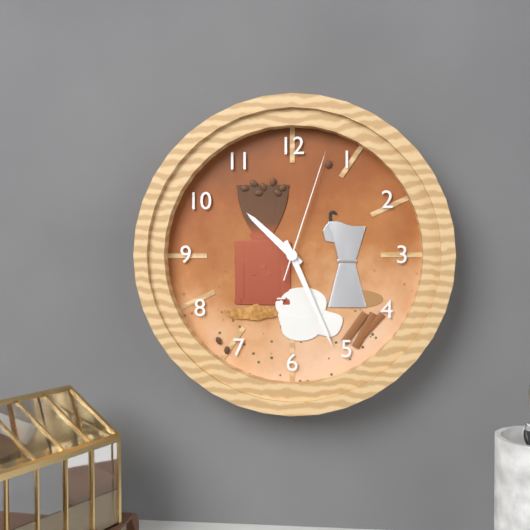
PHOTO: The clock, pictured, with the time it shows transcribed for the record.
10:26:03
